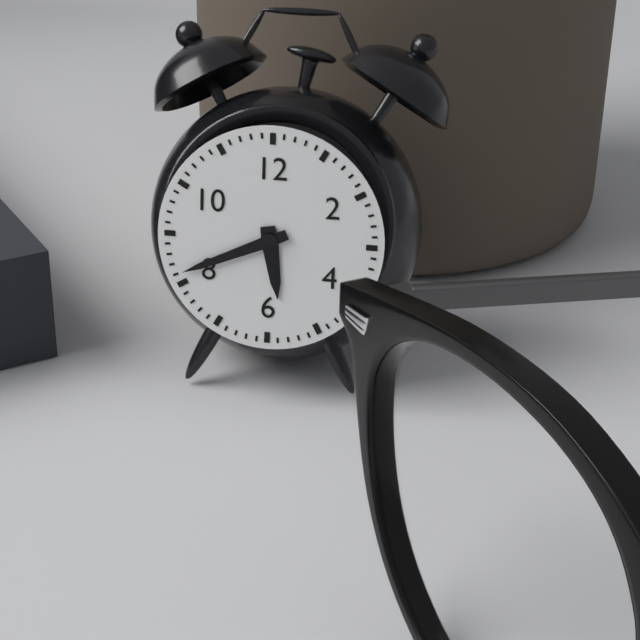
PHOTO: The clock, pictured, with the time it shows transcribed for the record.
5:41
